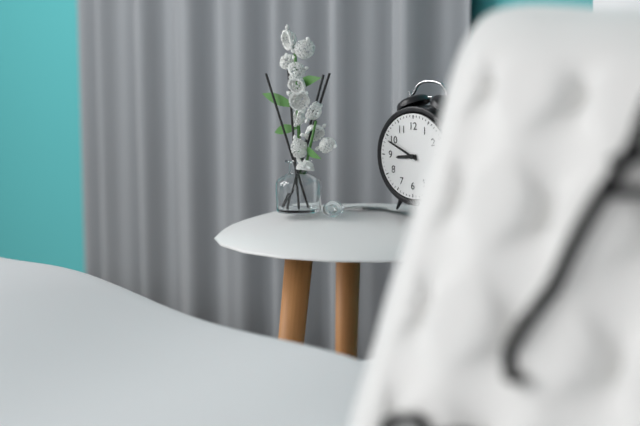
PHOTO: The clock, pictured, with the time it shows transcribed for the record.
8:49
